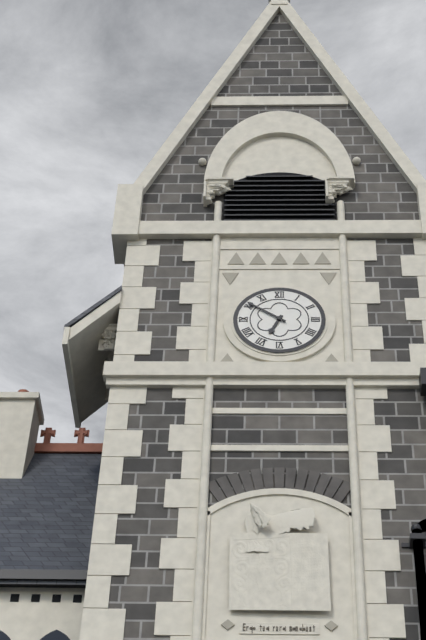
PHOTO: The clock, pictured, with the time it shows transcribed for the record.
6:51
